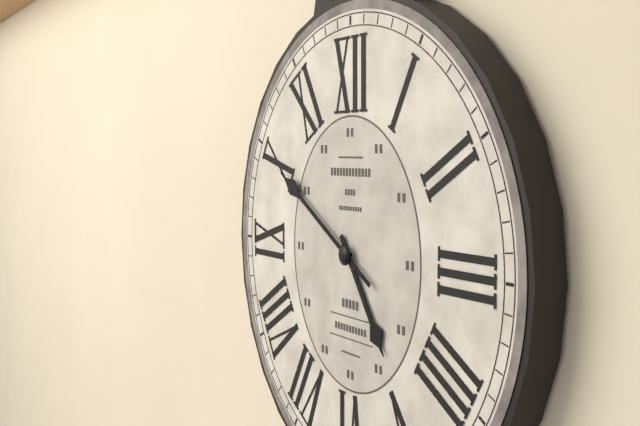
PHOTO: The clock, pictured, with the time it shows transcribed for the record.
4:50
